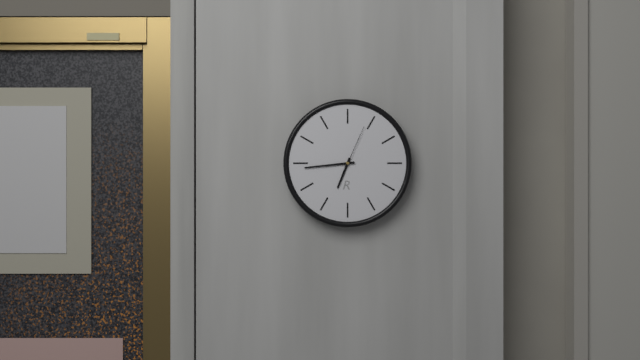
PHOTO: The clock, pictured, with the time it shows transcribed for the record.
6:44:04
